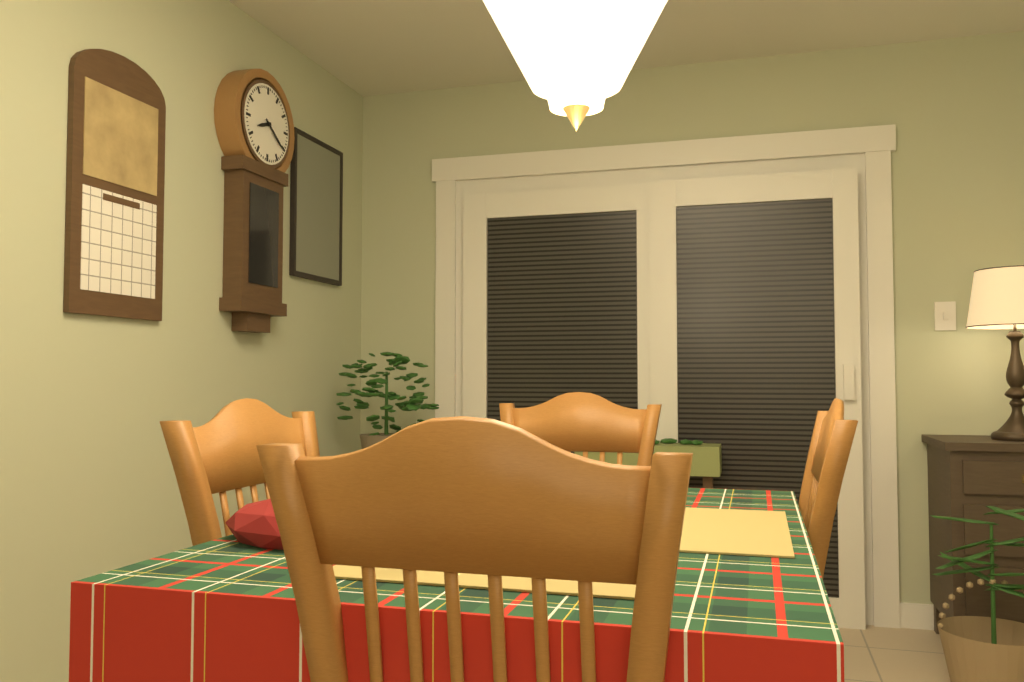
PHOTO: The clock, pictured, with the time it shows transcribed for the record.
8:21
